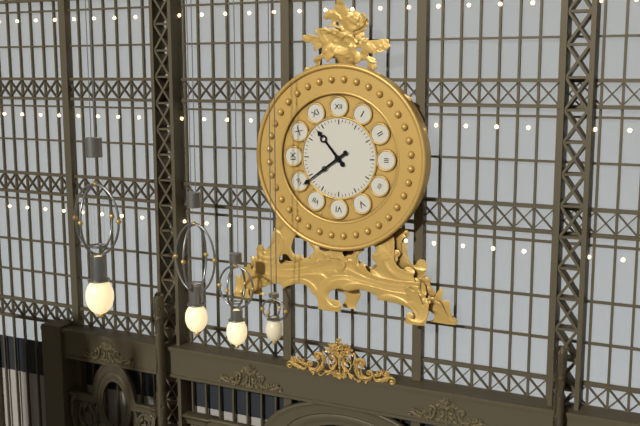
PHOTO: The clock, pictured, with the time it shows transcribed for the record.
10:39
